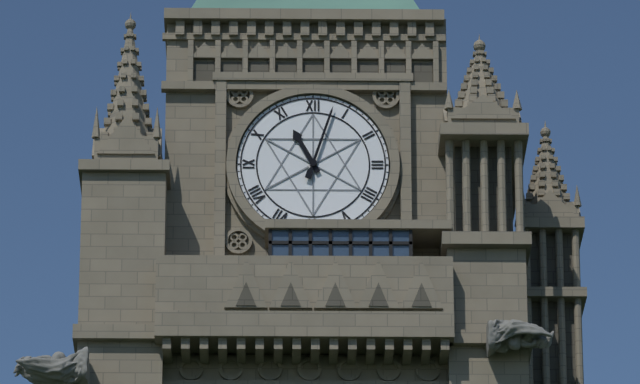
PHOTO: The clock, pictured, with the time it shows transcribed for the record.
11:03
